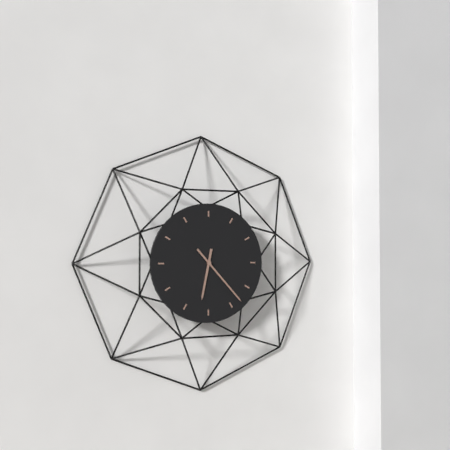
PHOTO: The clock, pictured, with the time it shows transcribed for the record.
6:23
